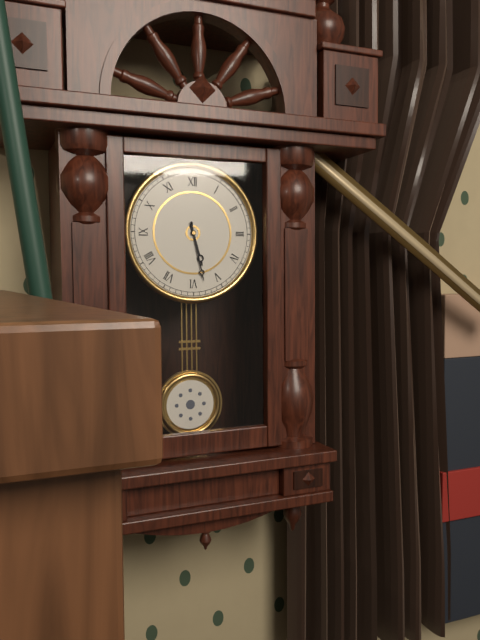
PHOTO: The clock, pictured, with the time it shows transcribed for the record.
5:28
